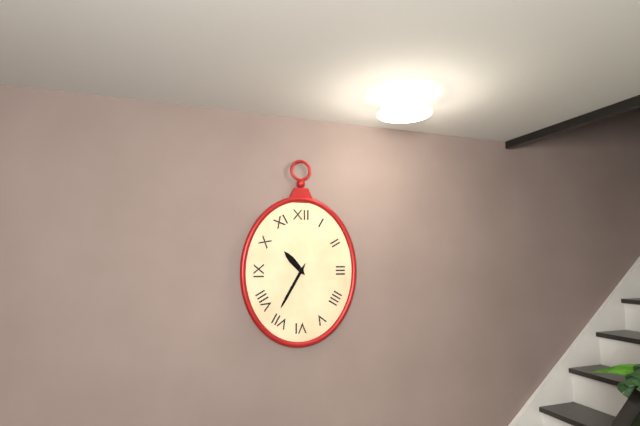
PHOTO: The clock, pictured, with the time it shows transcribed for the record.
10:35
